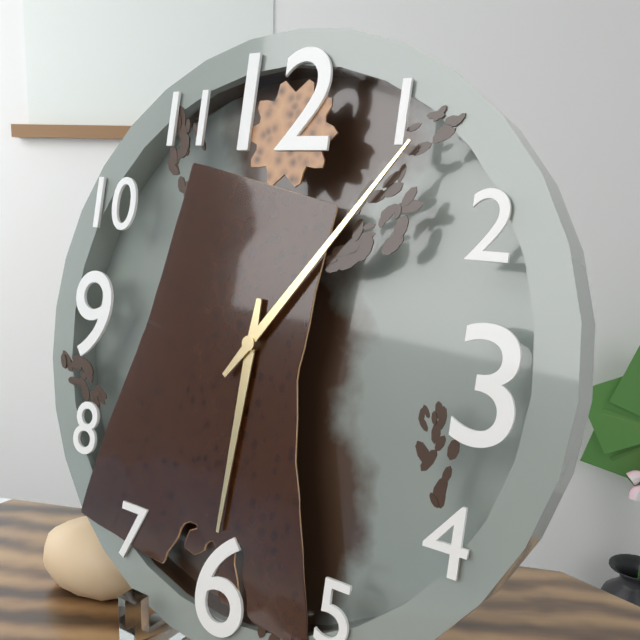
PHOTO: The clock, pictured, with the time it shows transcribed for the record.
6:06
